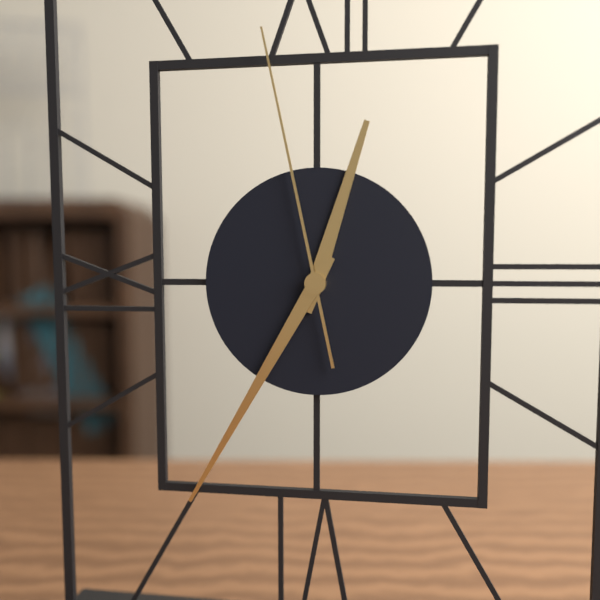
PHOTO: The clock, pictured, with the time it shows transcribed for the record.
12:35:58
